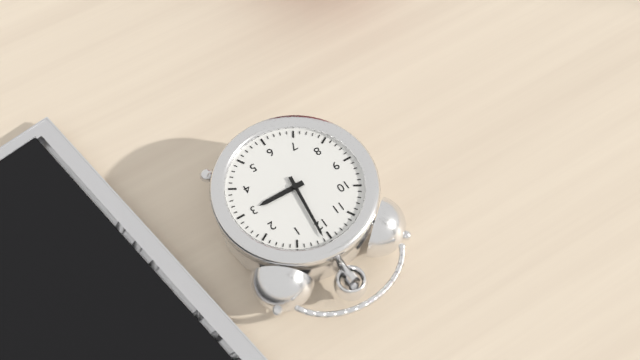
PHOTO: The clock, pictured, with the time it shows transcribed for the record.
3:01
